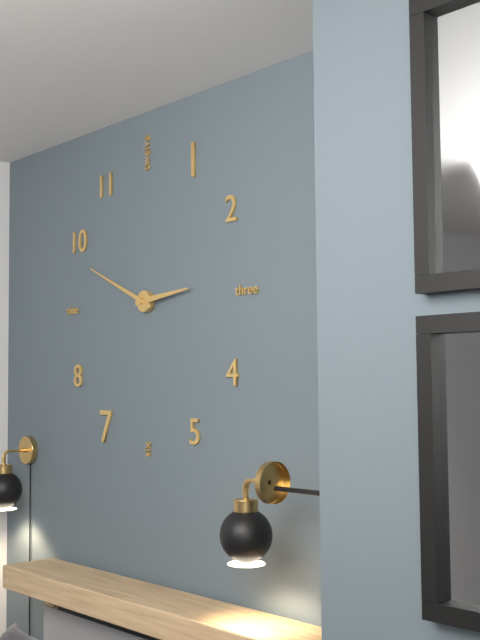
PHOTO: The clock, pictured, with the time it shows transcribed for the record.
2:49
